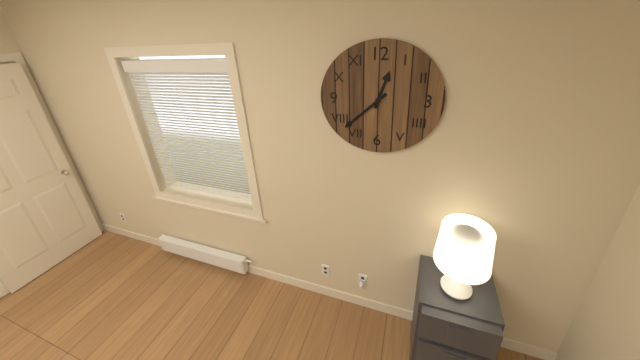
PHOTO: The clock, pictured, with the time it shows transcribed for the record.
12:38
